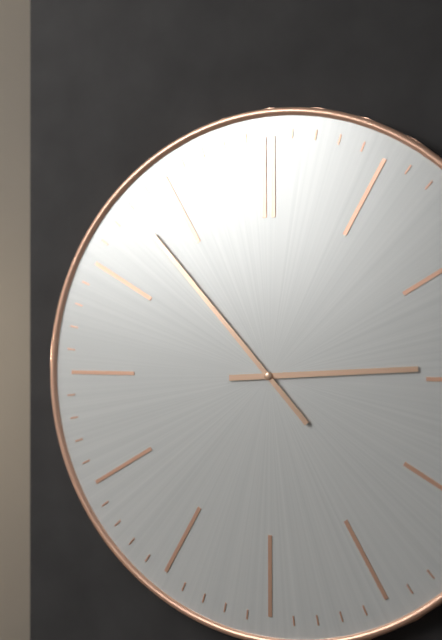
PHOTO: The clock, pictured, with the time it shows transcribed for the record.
2:53
